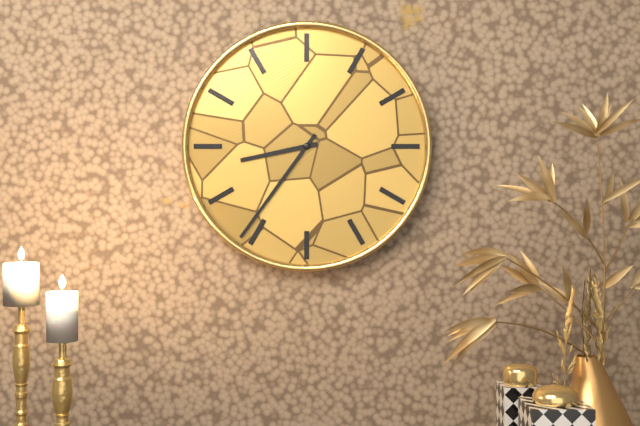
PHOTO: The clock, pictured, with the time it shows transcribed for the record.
8:36
